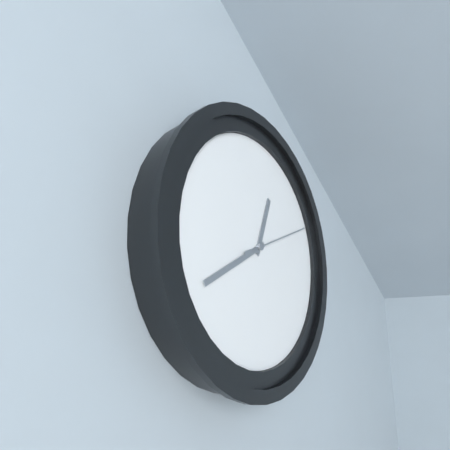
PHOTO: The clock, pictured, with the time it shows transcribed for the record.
12:40:11
